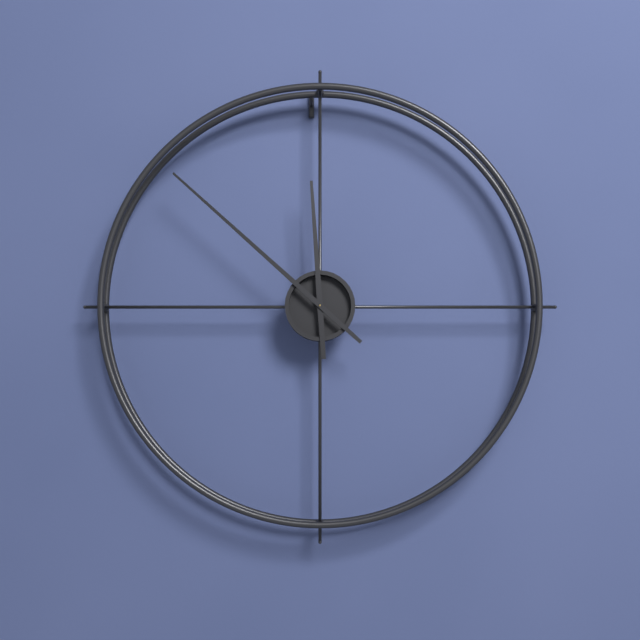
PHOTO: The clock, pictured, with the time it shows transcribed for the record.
11:52
